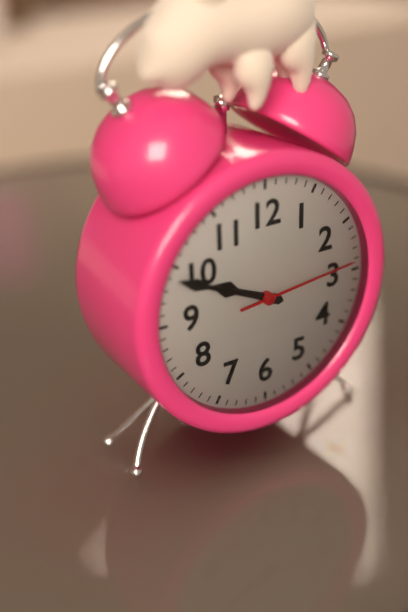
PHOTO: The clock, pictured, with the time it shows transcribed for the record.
9:49:14
